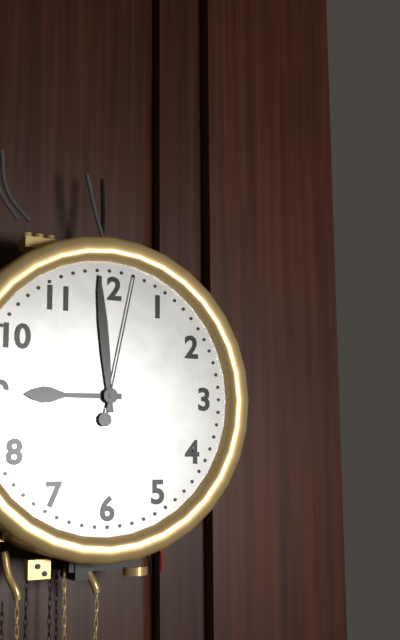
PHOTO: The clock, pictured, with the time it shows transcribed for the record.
8:59:02
